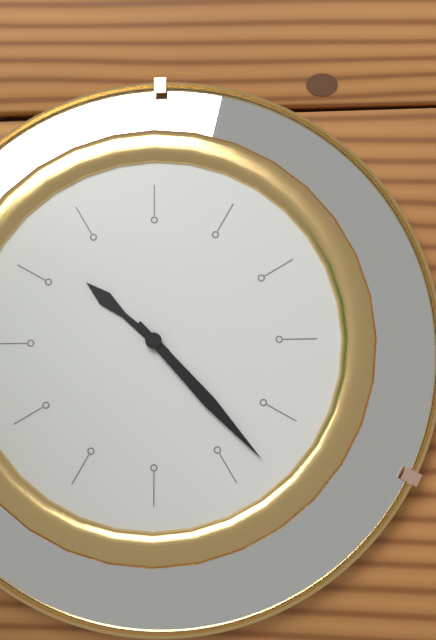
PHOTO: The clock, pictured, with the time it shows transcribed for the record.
10:23
